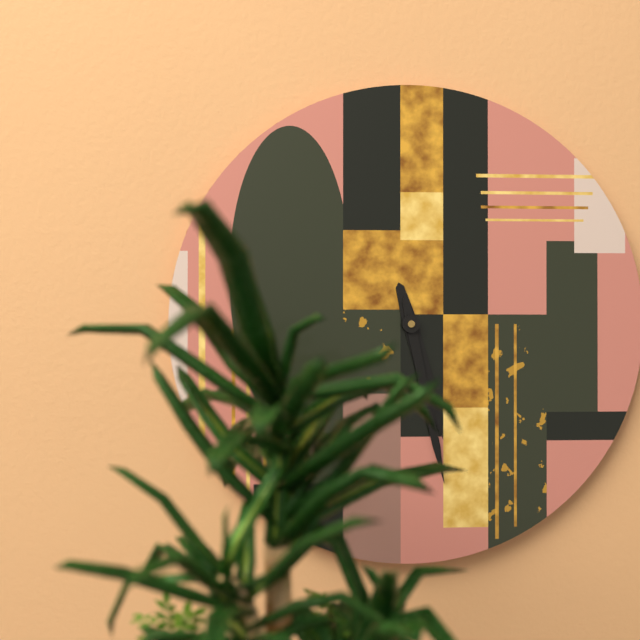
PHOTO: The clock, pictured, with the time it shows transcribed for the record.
5:28
